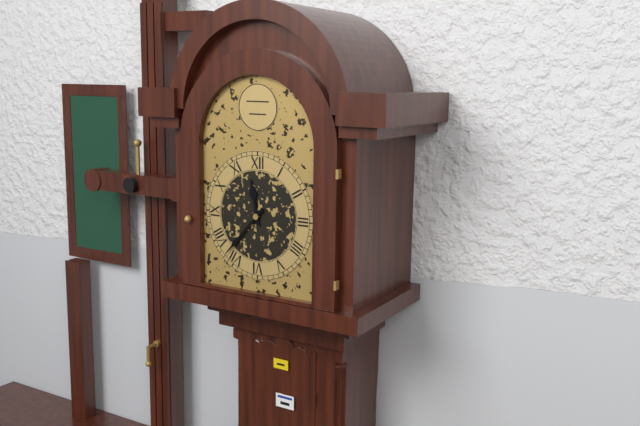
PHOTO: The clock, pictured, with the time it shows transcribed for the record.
11:37
